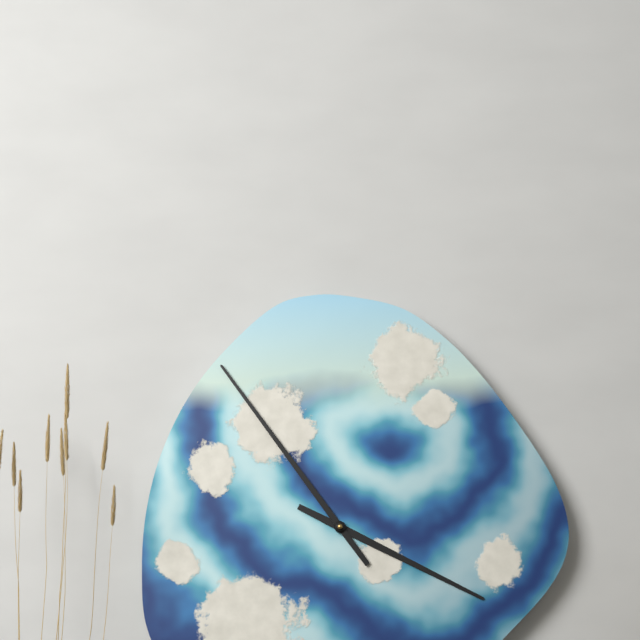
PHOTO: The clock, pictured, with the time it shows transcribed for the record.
3:54
